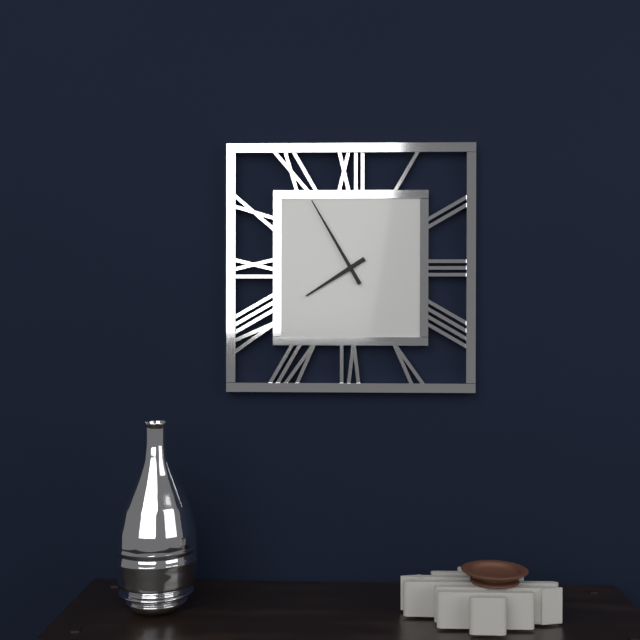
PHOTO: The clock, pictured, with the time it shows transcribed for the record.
7:55
